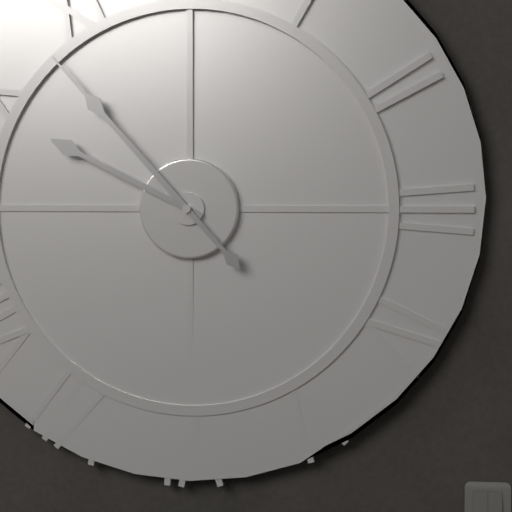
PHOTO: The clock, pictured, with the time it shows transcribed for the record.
9:53
